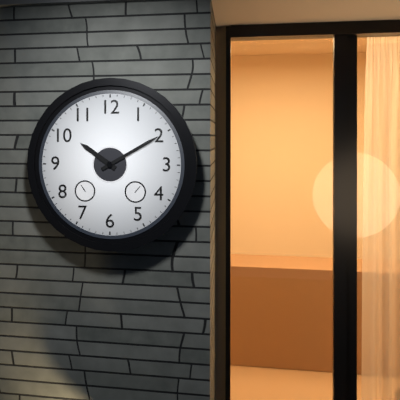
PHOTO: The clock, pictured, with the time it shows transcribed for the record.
10:10
